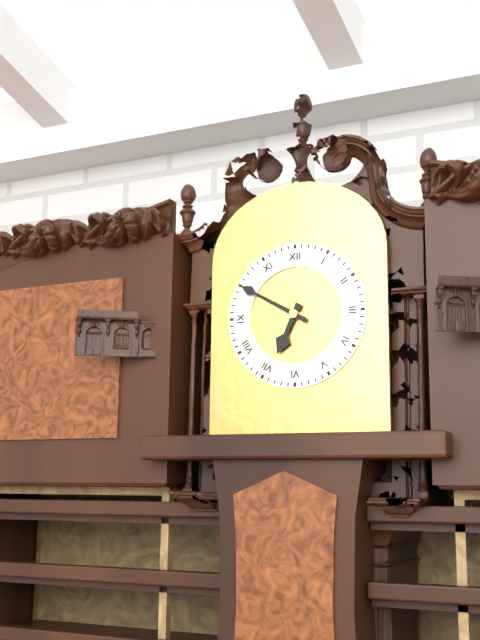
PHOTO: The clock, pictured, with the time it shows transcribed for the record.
6:50
